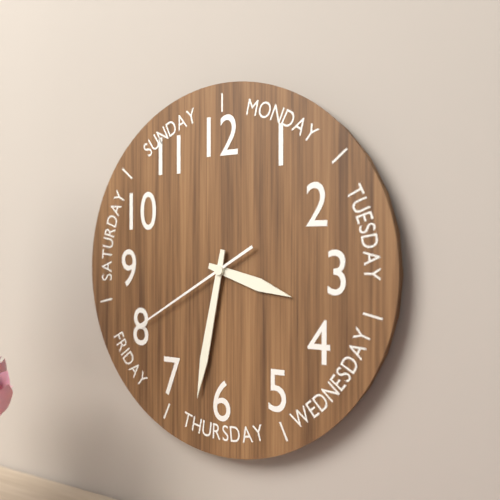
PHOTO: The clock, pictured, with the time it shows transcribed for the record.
3:32:40
